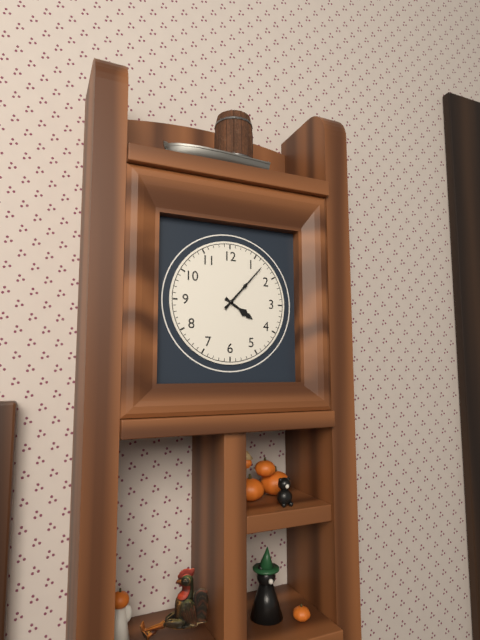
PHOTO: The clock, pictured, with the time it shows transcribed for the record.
4:07
